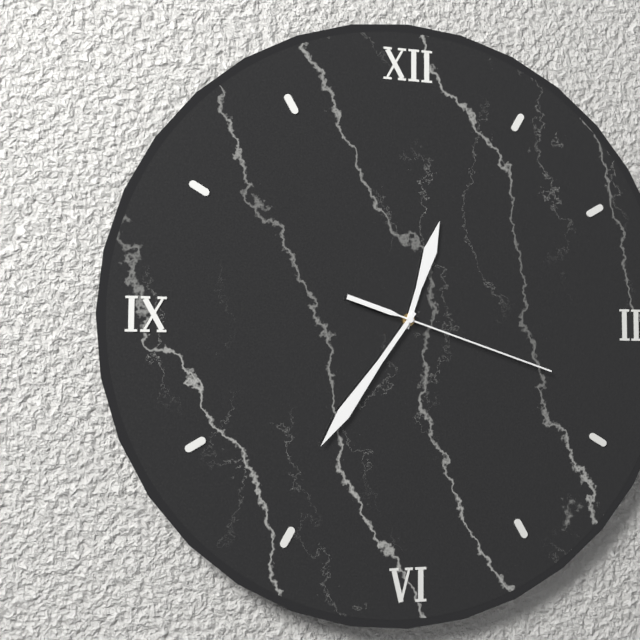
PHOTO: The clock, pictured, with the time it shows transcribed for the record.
12:36:18
